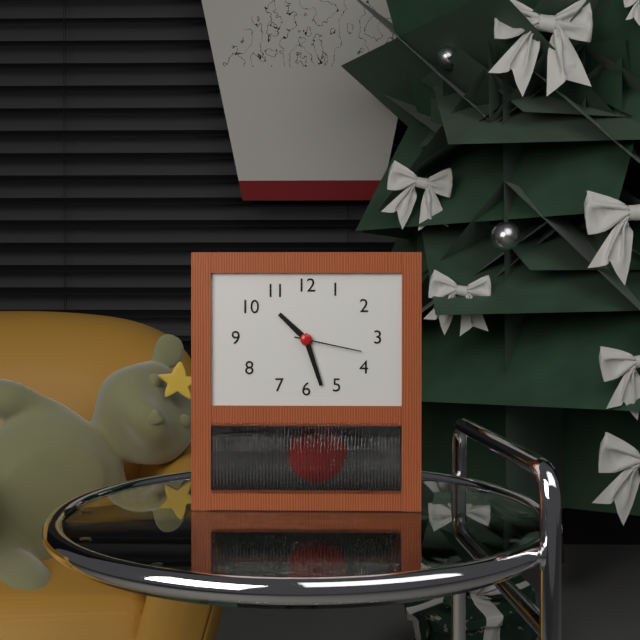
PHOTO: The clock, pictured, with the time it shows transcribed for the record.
10:27:17
